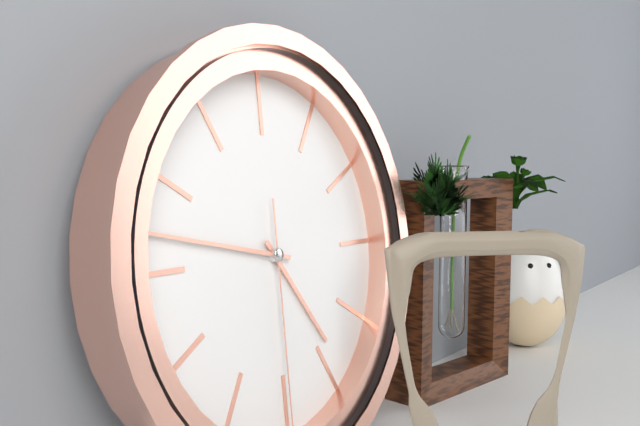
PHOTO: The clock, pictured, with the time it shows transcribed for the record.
4:47
